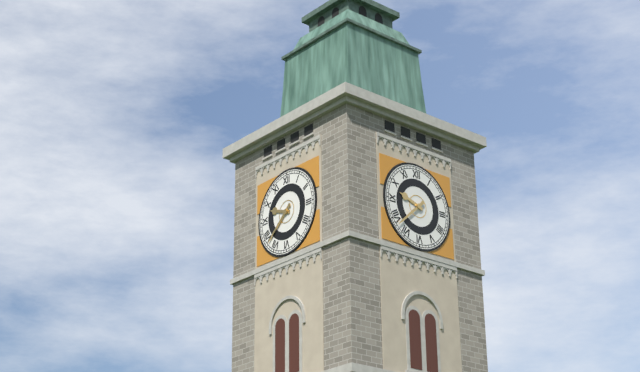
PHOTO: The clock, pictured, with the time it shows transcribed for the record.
9:38
